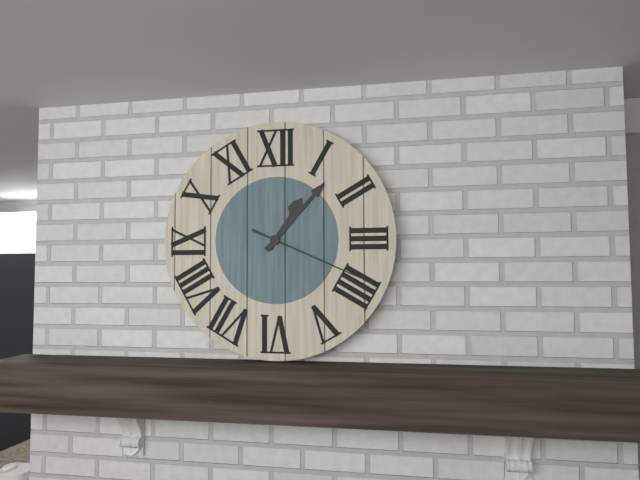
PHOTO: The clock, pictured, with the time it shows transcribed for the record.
1:07:19
